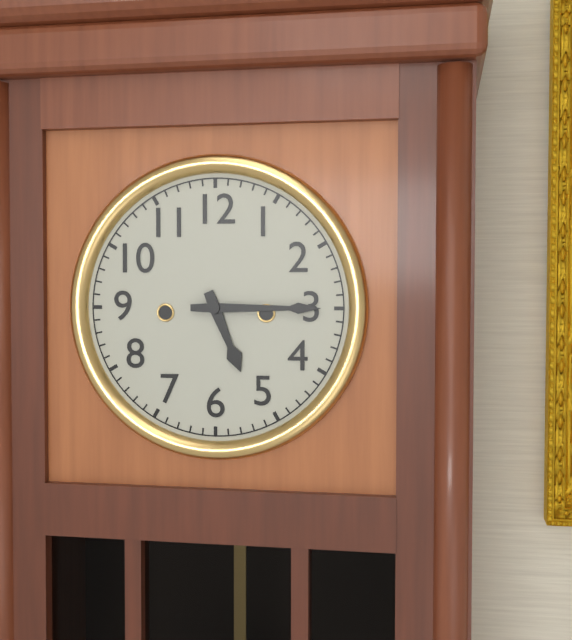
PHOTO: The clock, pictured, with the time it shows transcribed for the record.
5:15
